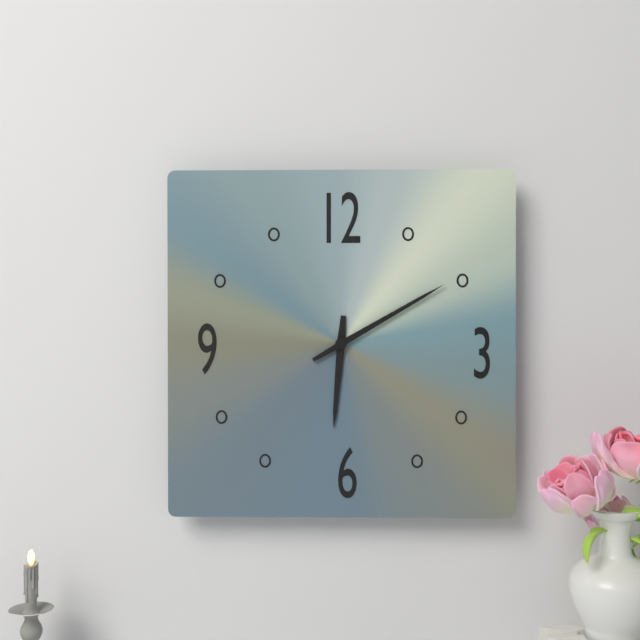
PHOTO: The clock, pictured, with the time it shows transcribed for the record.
6:10
